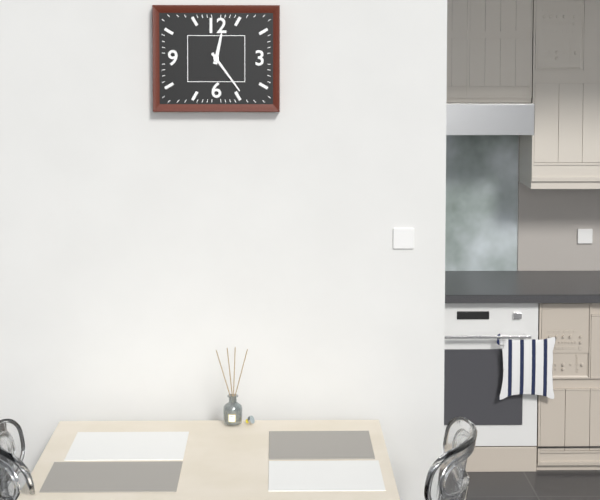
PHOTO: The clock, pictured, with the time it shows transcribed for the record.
12:24
